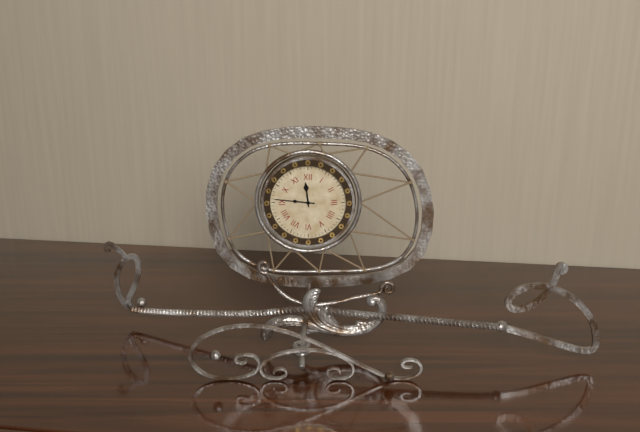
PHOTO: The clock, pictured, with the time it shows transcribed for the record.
11:46
